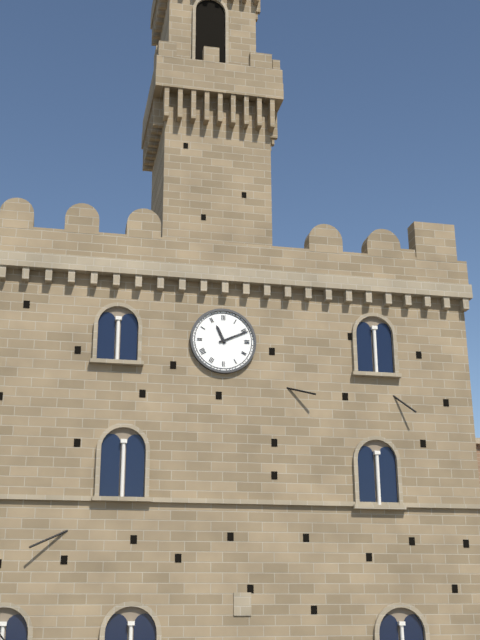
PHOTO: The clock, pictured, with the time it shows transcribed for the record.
11:11
